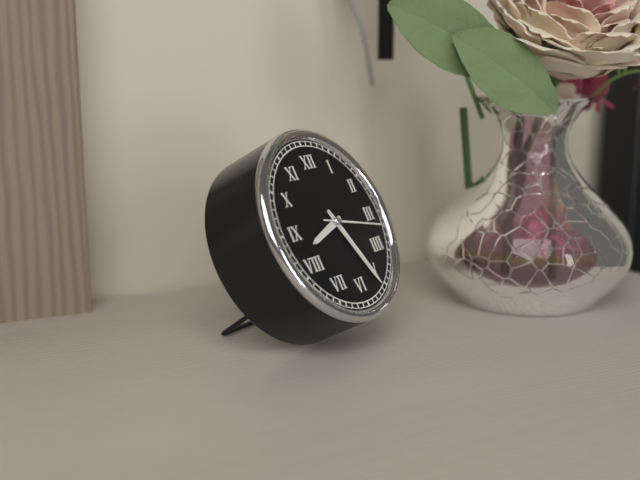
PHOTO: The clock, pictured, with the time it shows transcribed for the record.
8:26:17
